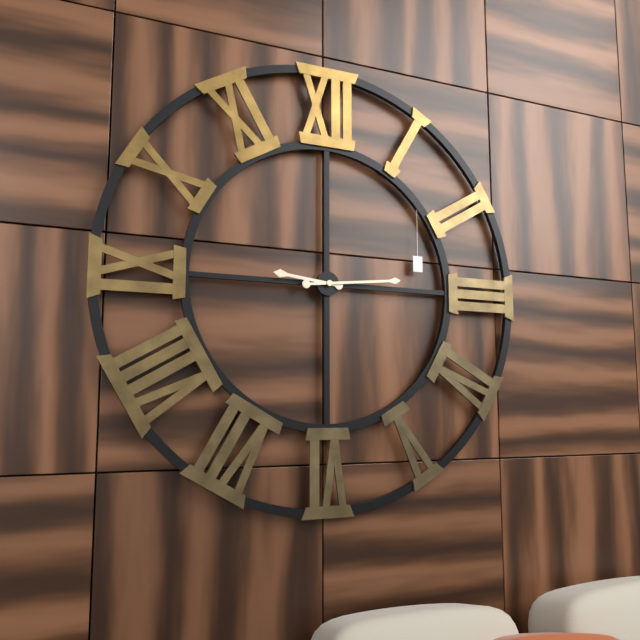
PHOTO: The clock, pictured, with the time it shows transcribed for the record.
9:14
